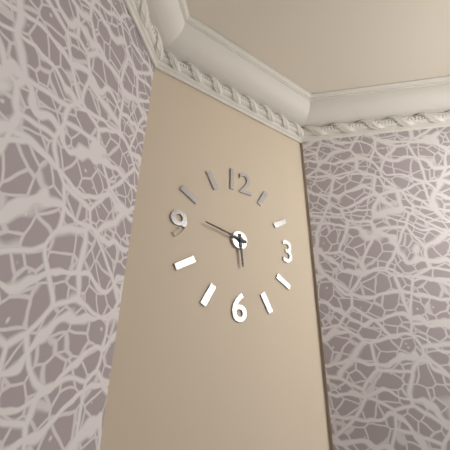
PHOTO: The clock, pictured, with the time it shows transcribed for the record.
5:47
